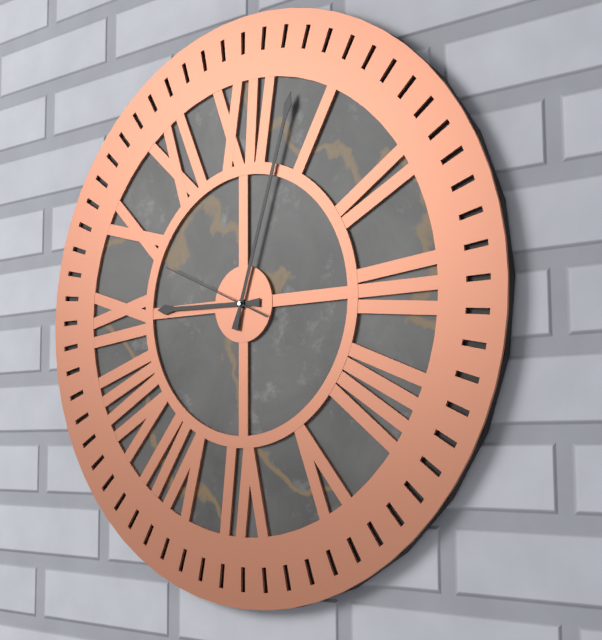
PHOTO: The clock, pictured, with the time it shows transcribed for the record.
9:03:49
